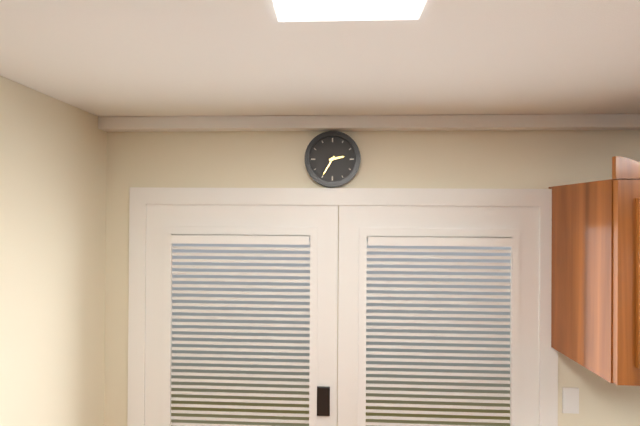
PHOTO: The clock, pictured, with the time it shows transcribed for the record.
2:35
